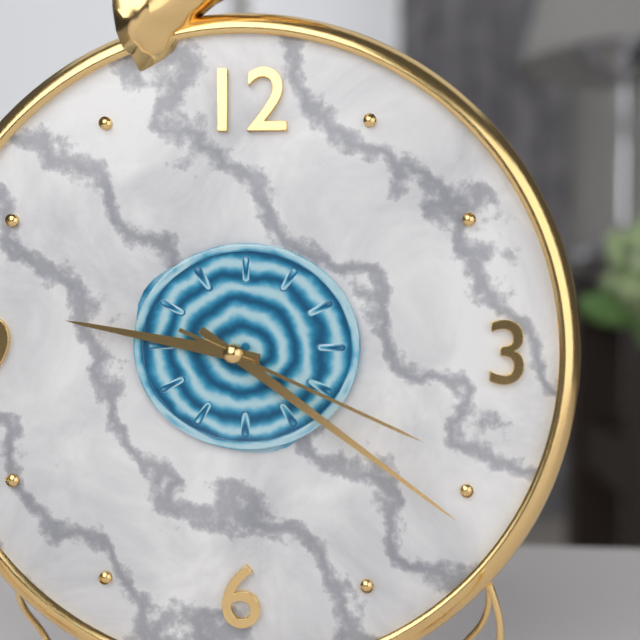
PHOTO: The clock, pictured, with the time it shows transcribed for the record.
9:21:19
